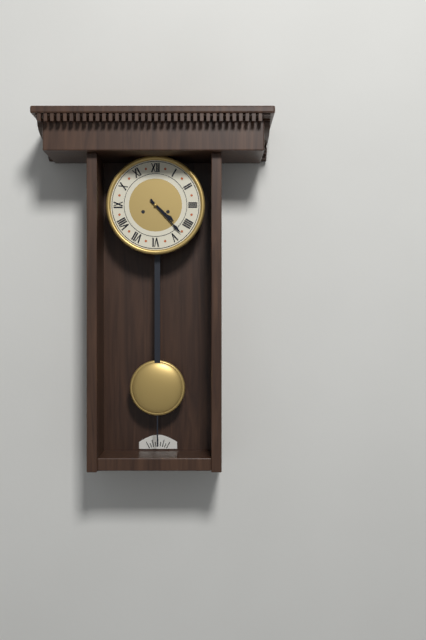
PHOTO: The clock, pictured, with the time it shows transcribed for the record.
4:23
